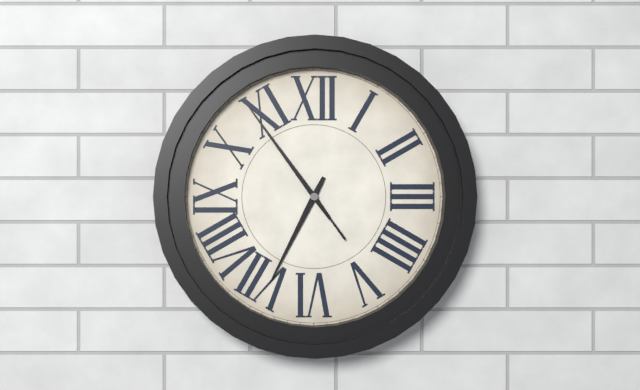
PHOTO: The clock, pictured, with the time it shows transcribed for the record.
6:54:54
